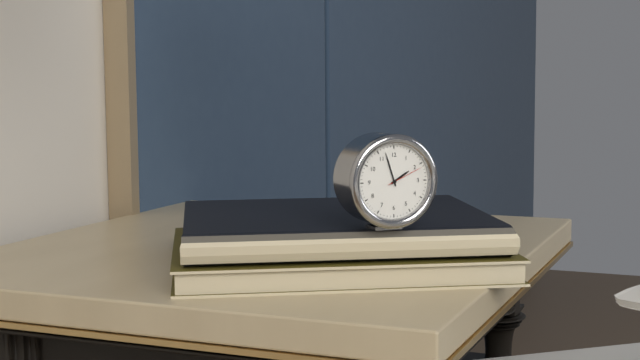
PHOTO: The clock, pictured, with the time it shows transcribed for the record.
1:57
